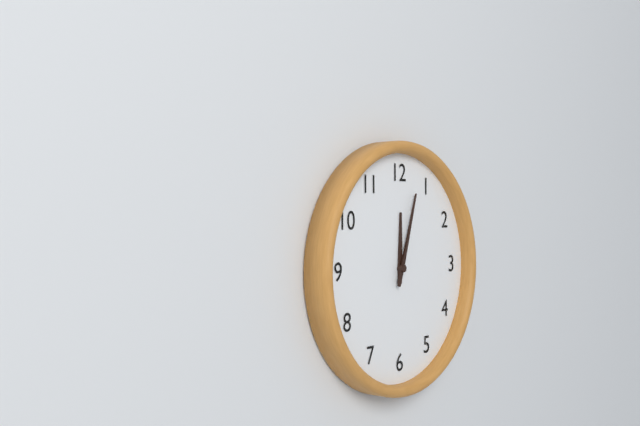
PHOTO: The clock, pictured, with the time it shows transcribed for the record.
12:03
